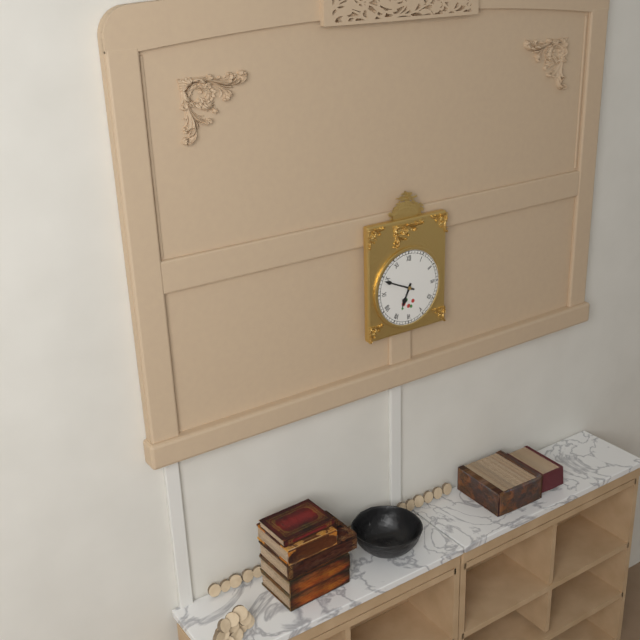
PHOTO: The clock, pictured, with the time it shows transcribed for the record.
6:49
